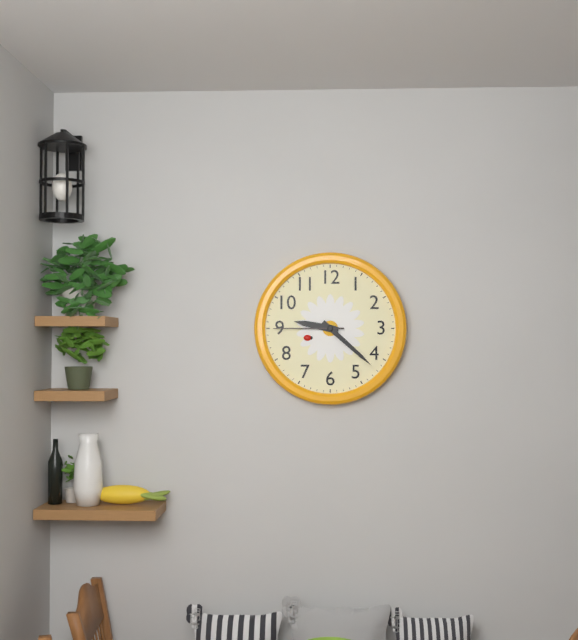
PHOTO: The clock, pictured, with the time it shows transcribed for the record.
9:22:45
